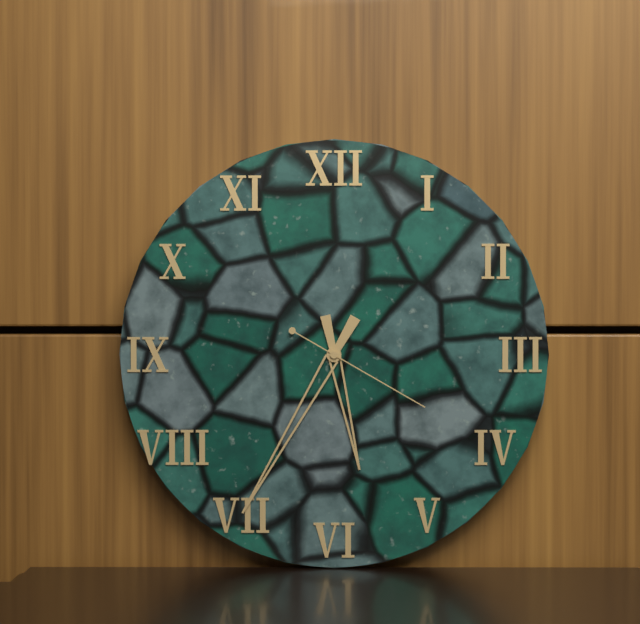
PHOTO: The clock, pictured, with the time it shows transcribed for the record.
5:35:20
